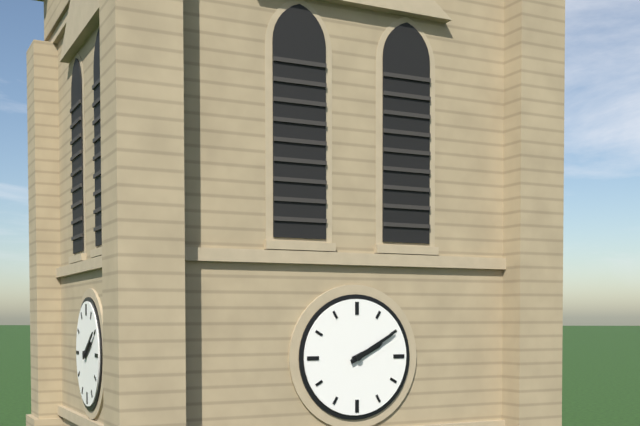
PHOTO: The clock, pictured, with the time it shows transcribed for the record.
2:10
